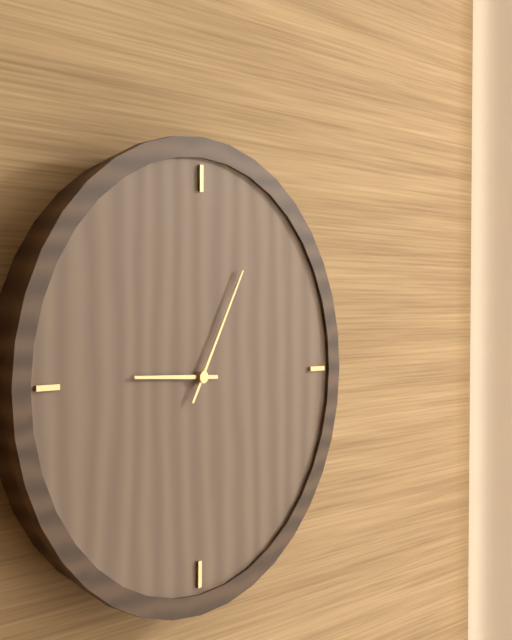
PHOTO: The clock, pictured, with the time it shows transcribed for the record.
9:05
